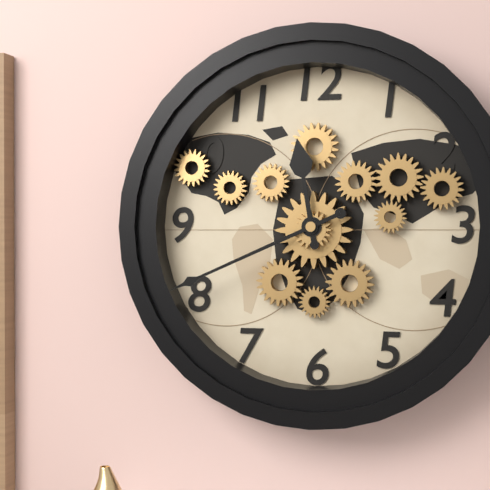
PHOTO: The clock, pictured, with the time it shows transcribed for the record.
11:41
